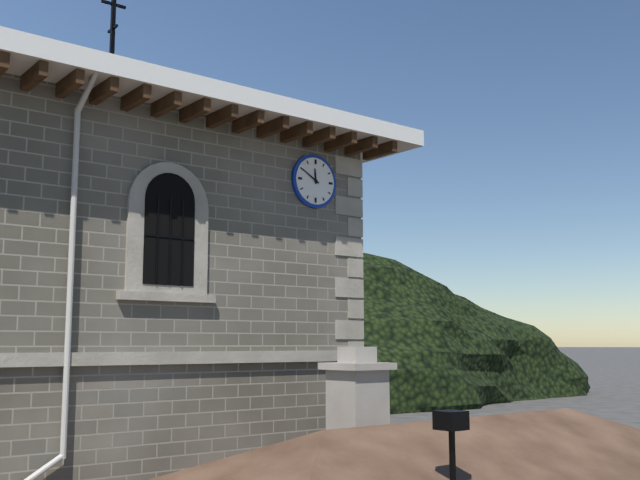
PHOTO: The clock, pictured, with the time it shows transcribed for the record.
11:50
